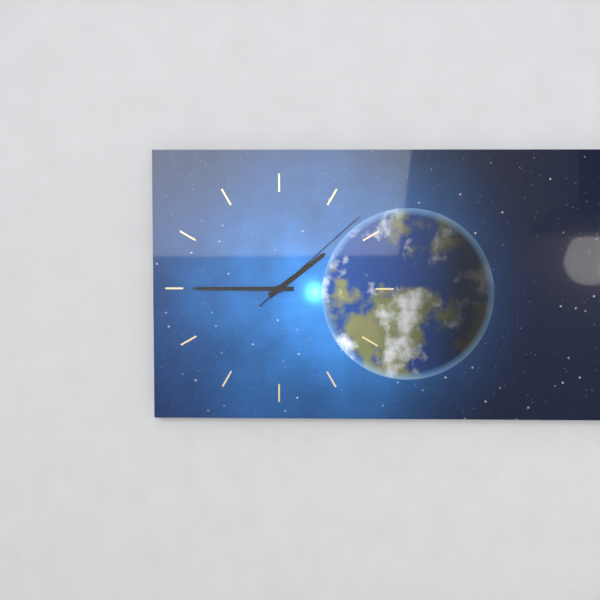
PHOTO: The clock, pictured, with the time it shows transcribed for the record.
1:45:08
